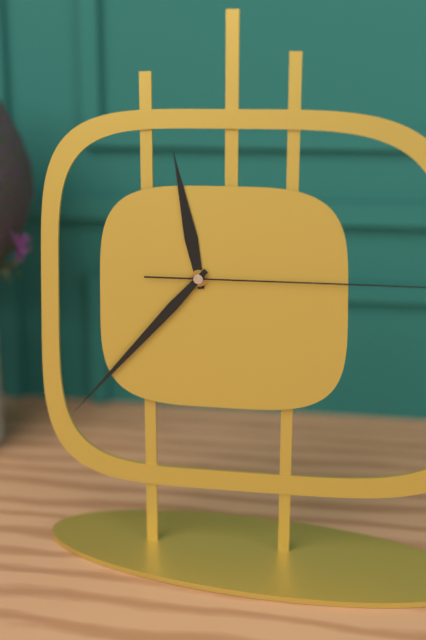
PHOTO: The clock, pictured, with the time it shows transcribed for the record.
11:37
